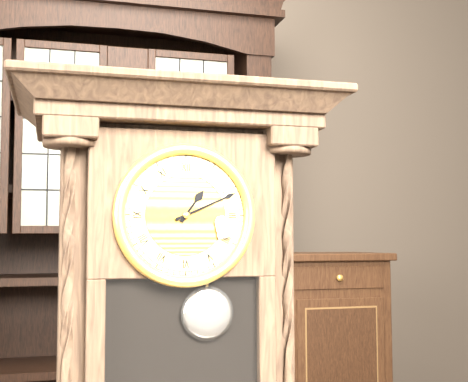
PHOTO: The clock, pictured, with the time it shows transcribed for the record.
1:11
